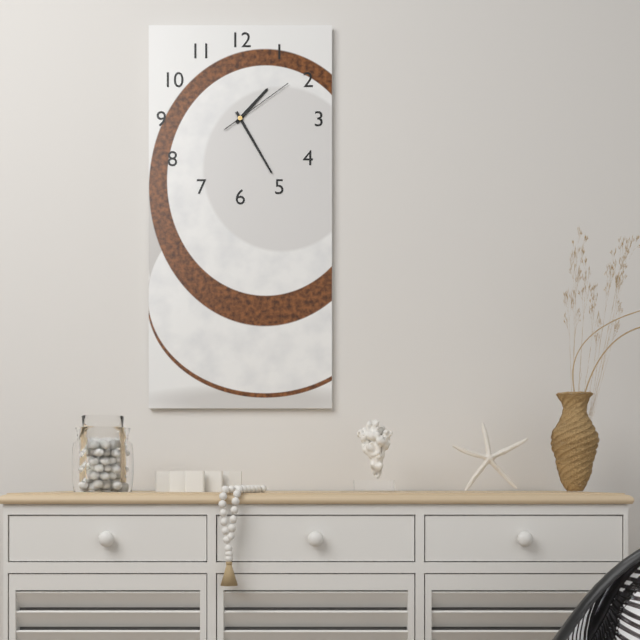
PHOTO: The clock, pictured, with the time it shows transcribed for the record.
1:25:09
